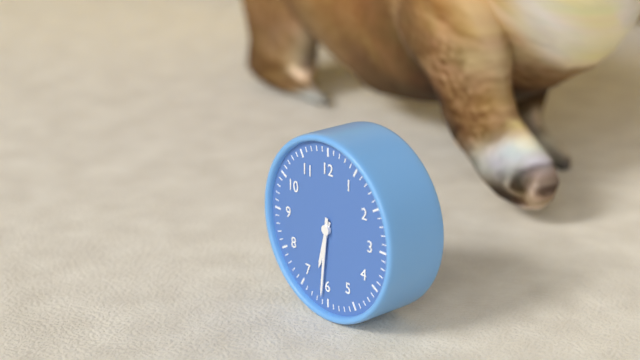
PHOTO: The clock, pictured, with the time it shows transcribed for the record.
6:31
